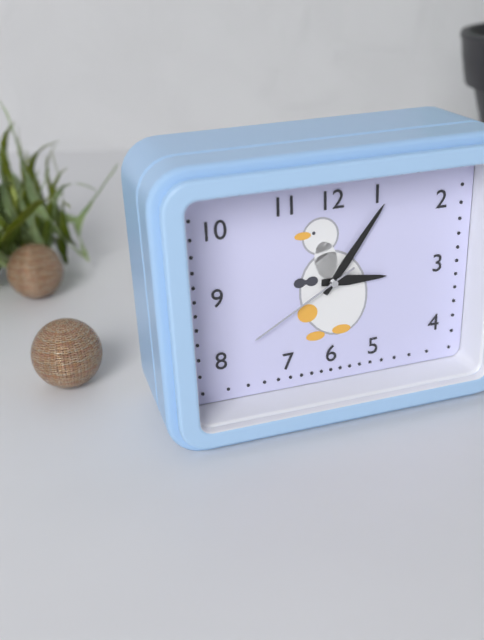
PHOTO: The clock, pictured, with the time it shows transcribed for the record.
3:06:40
